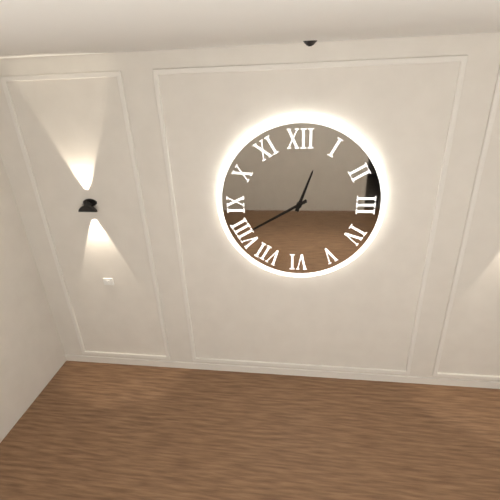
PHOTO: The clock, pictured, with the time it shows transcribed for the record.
12:40
